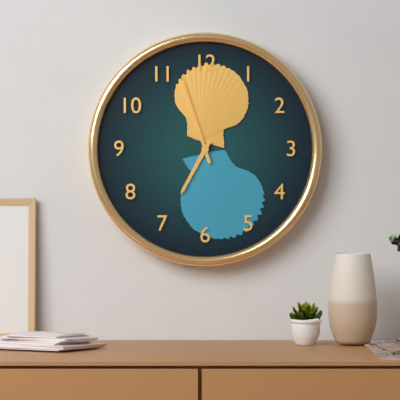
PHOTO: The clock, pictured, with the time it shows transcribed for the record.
6:57
